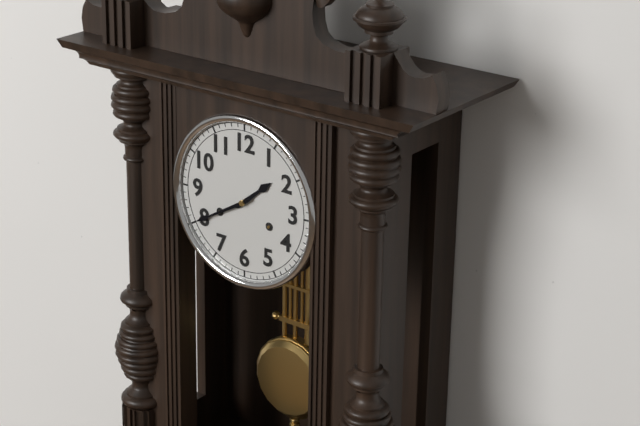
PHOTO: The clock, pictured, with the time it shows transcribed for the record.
1:40
